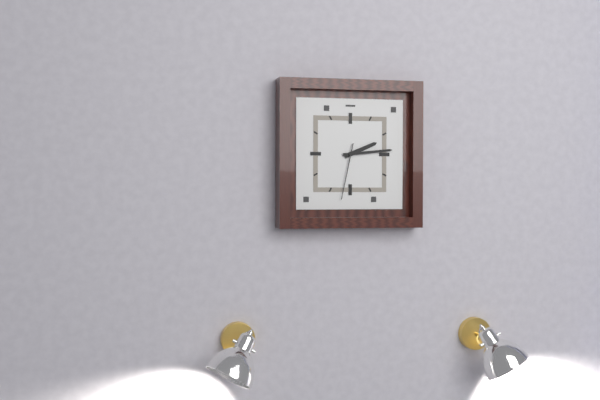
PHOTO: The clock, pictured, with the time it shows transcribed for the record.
2:14:32
